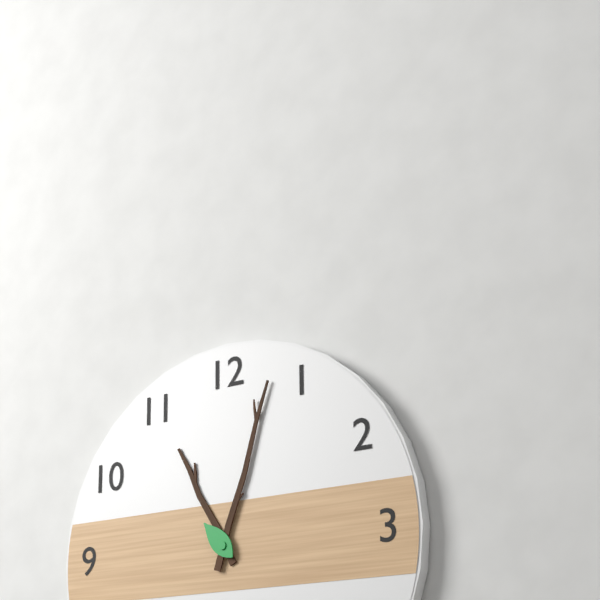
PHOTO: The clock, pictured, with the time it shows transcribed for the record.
11:03
